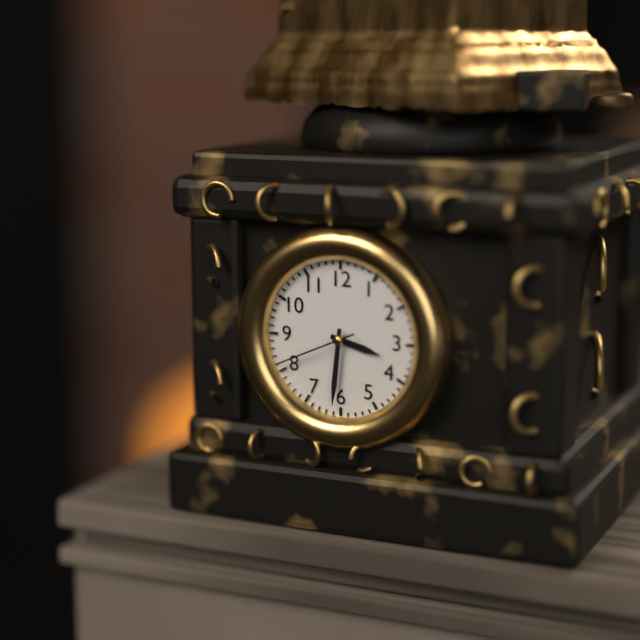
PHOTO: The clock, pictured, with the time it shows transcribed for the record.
3:31:41
